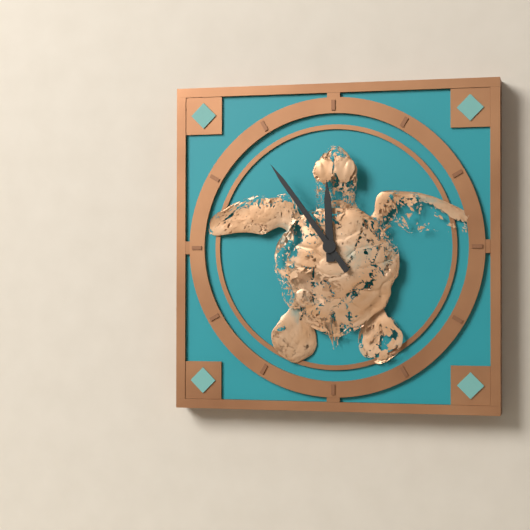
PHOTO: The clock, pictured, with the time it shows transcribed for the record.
11:54
